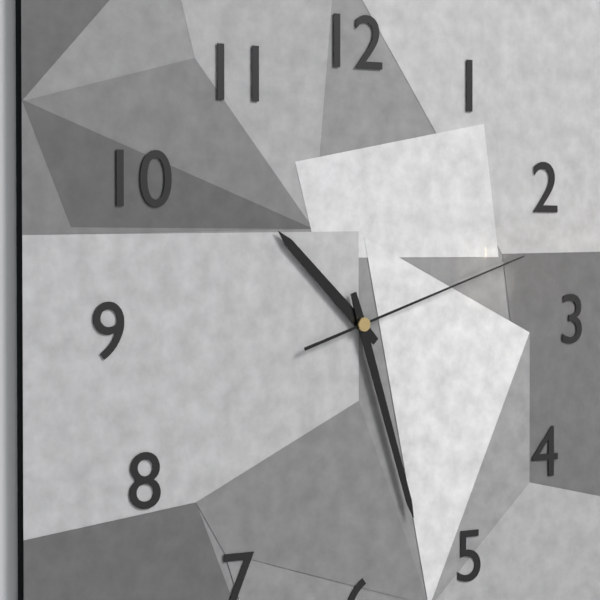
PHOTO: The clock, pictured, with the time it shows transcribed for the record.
10:27:12
